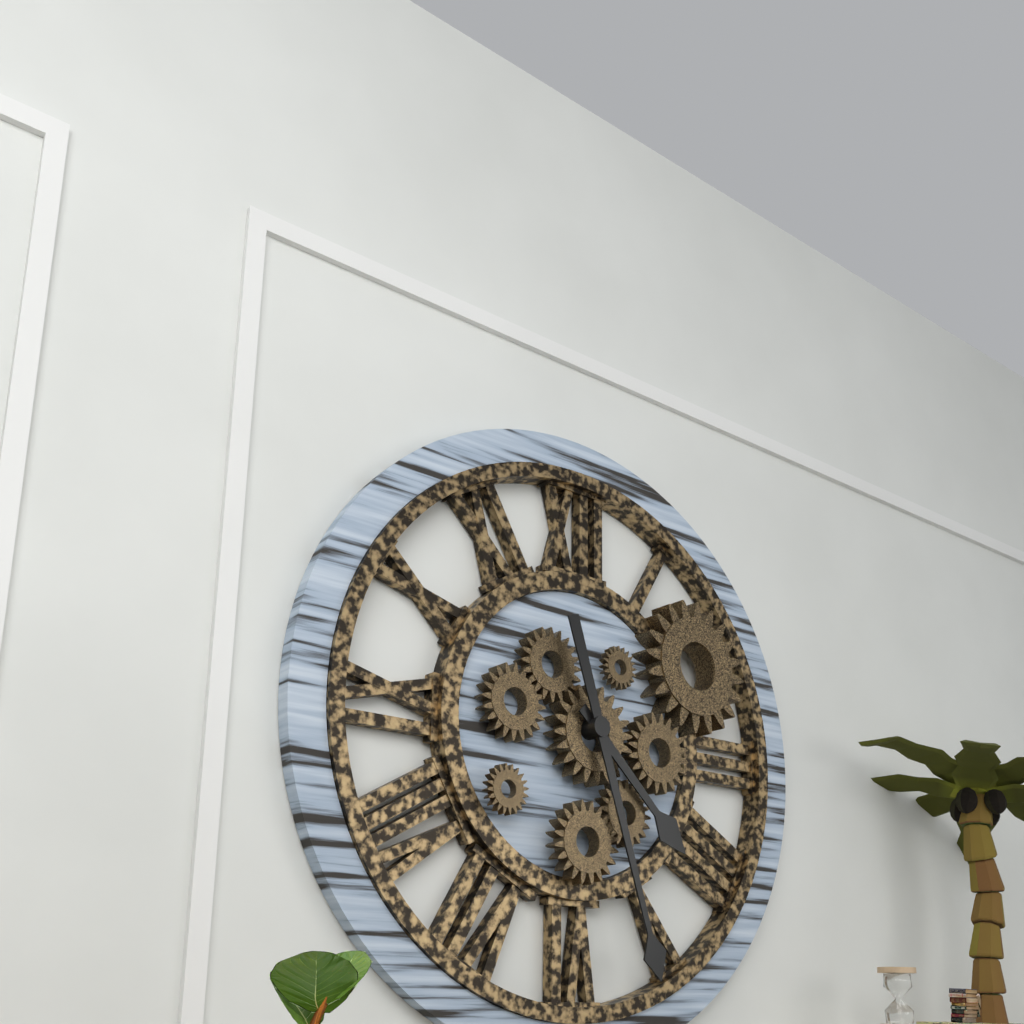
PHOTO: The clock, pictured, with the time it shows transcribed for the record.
4:27
